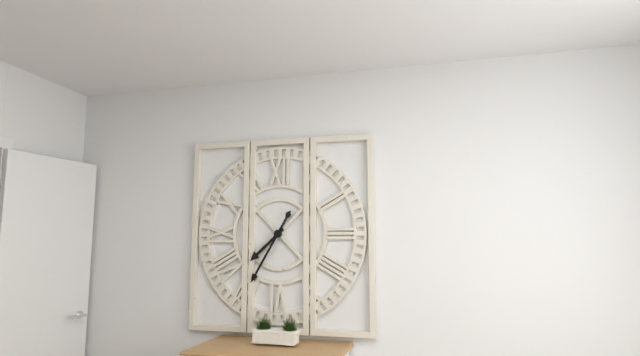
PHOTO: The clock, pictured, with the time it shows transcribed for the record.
7:35
